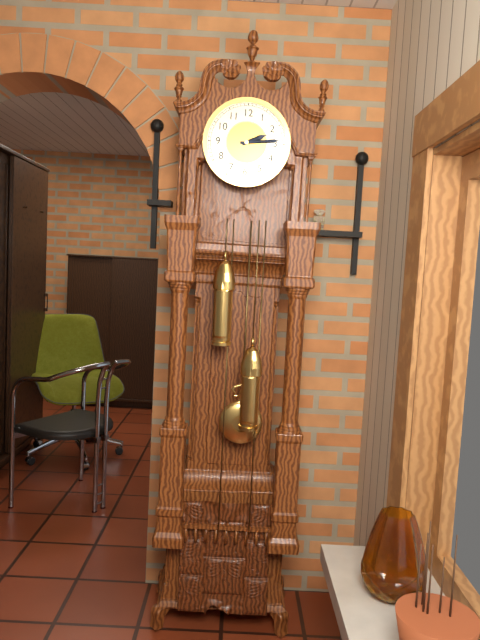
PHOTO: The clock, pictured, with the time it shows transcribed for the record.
2:14
